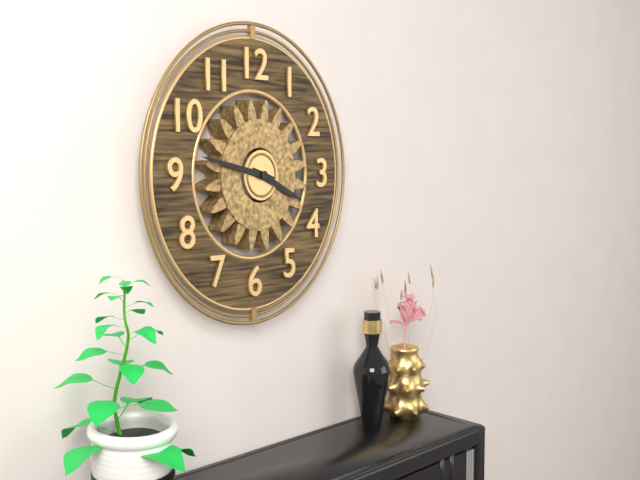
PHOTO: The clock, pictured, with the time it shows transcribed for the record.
3:47
